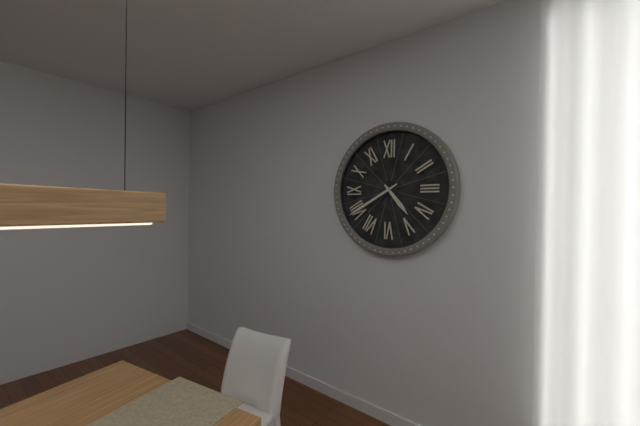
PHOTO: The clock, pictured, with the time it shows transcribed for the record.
4:40
